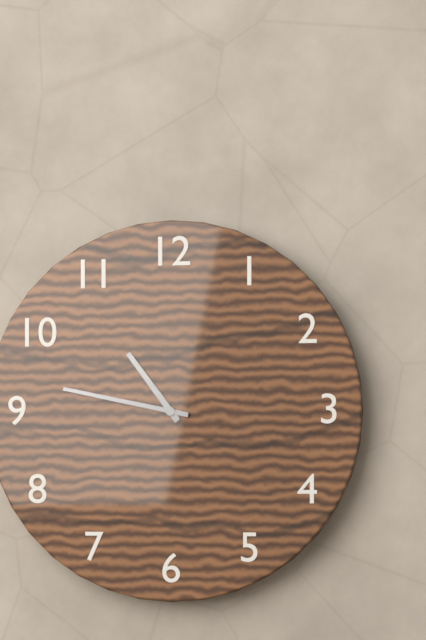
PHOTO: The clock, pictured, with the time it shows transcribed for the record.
10:47
